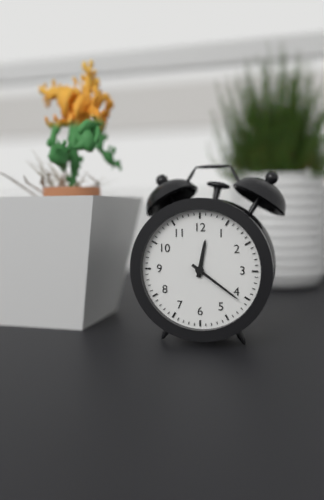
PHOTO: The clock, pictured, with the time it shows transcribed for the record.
12:21
